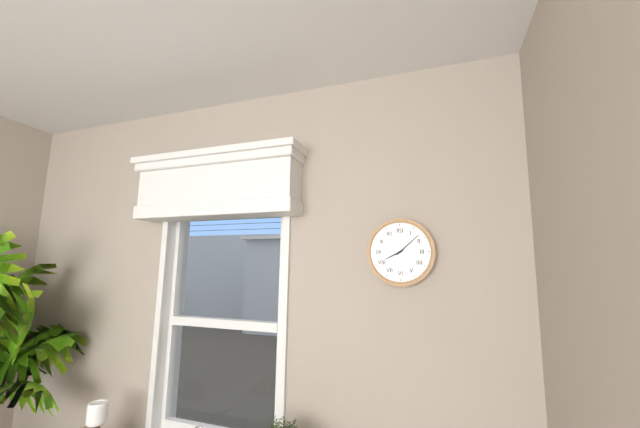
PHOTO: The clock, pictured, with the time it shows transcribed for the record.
8:08
